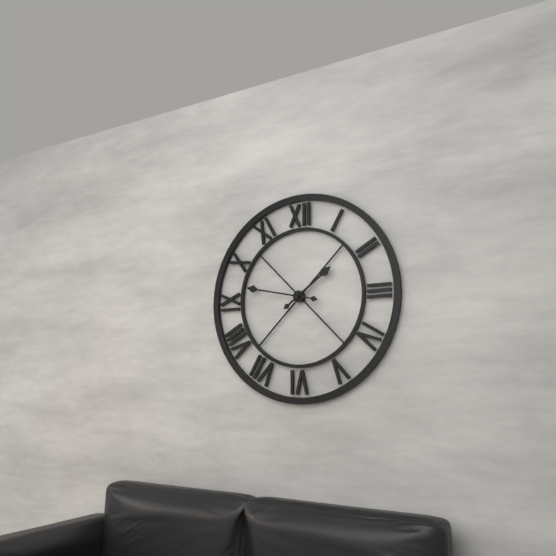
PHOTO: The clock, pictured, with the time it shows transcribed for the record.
1:47
